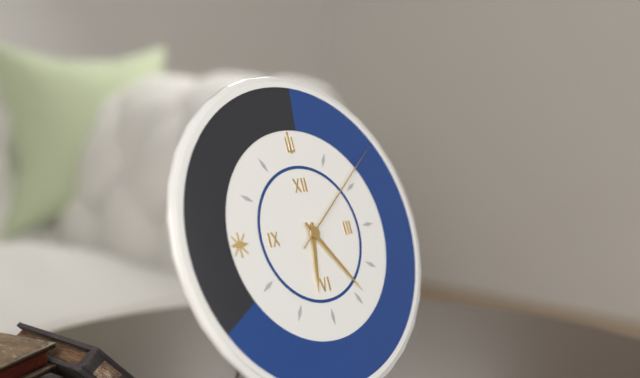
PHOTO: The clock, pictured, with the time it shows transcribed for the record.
6:24:09
